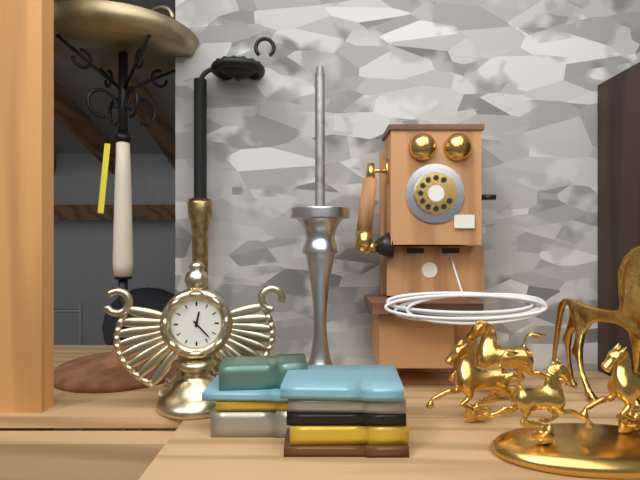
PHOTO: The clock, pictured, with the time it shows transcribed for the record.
12:23
